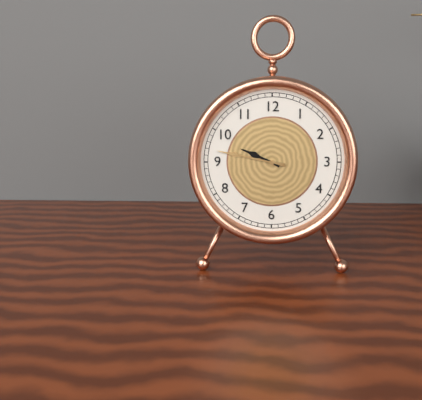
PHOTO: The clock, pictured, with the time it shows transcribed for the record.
9:47
